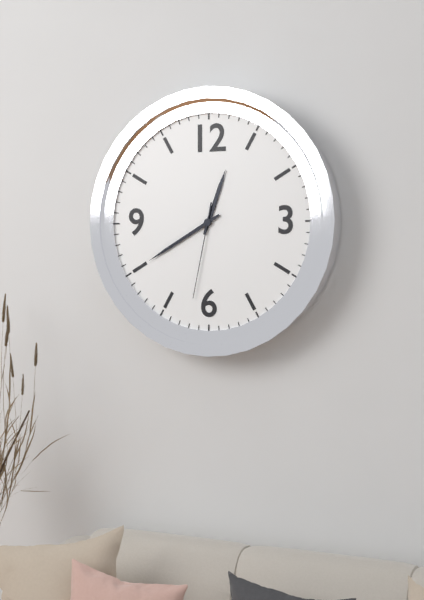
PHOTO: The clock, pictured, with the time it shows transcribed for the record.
12:40:32
